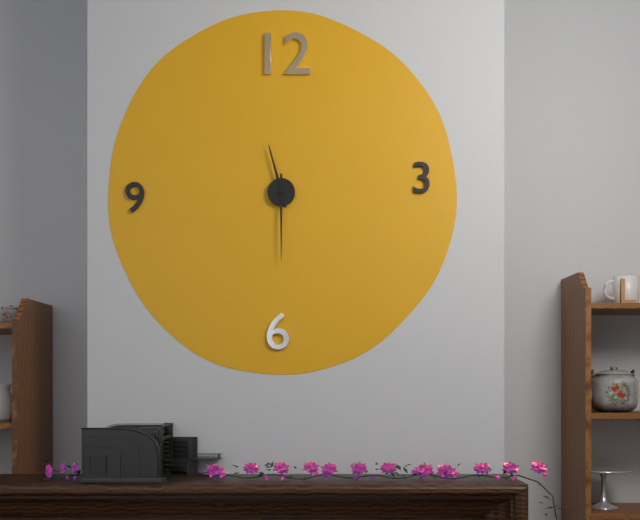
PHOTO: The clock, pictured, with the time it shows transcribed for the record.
11:30
